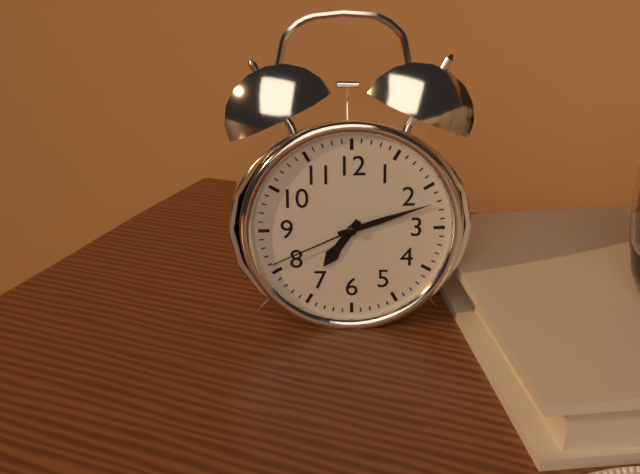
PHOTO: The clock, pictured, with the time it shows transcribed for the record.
7:12:41
